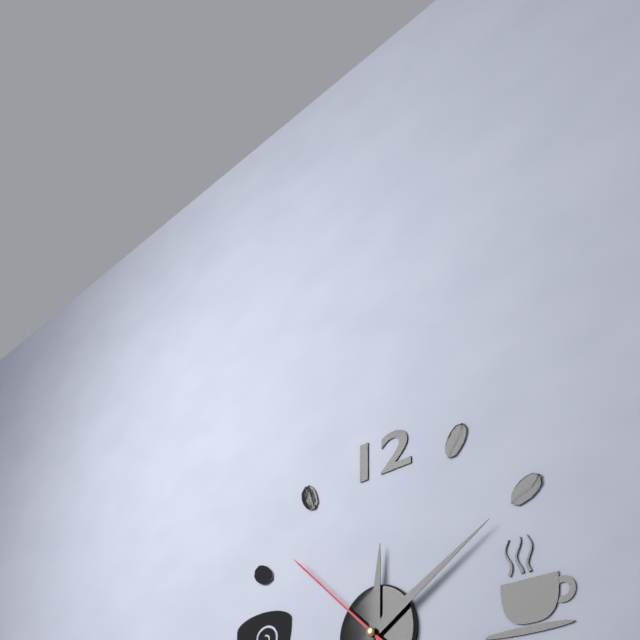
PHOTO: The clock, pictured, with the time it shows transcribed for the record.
12:10:52
